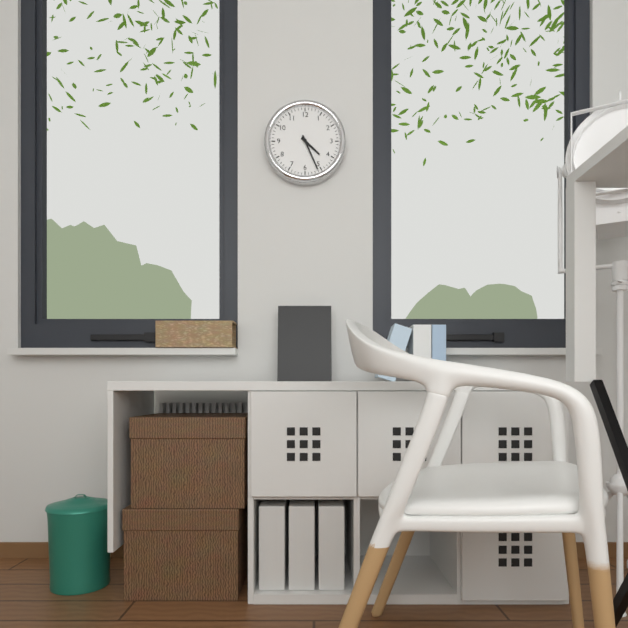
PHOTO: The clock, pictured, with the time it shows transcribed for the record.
4:26
